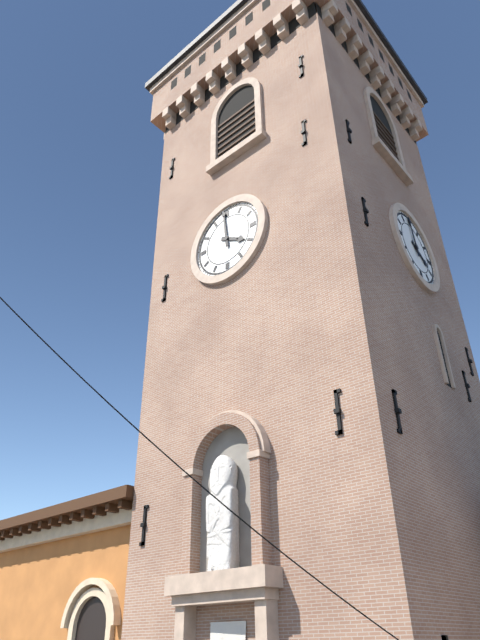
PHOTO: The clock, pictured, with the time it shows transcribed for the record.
3:59
